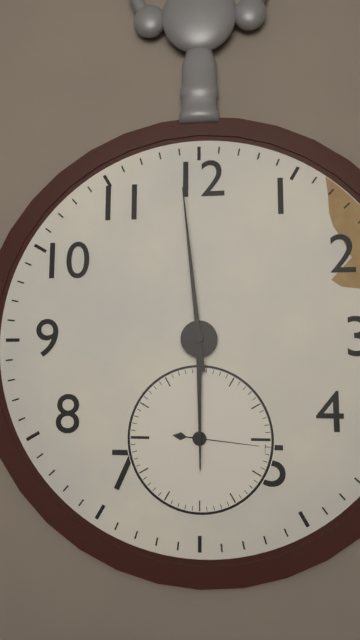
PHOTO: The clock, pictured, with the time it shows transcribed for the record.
5:59:16
